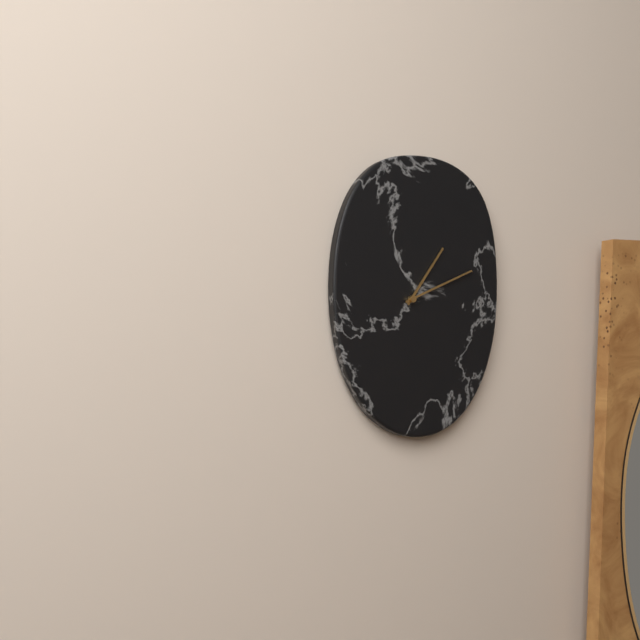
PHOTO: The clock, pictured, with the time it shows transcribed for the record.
1:11
